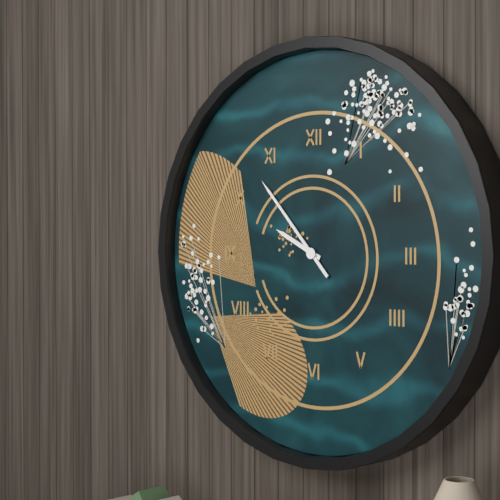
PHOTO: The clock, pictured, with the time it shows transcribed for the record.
9:53
